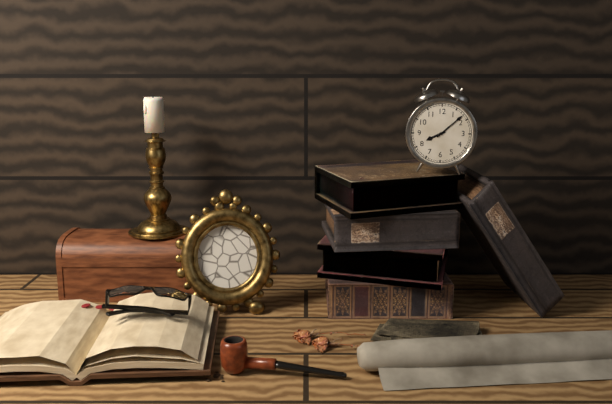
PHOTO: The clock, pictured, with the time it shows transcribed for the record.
8:08
